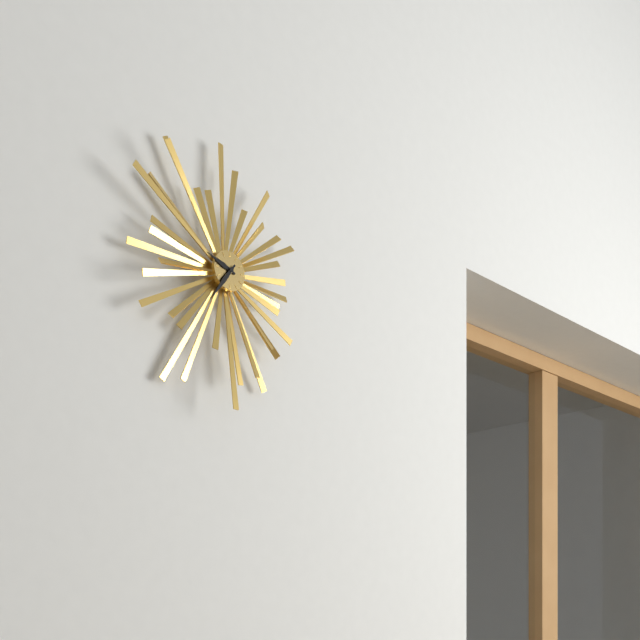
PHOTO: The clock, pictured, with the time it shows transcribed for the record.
9:36
